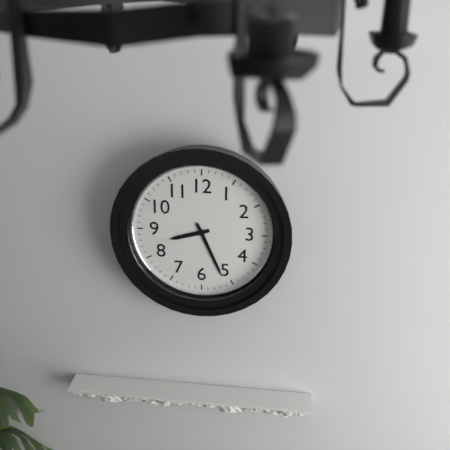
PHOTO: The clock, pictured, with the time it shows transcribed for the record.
8:26
